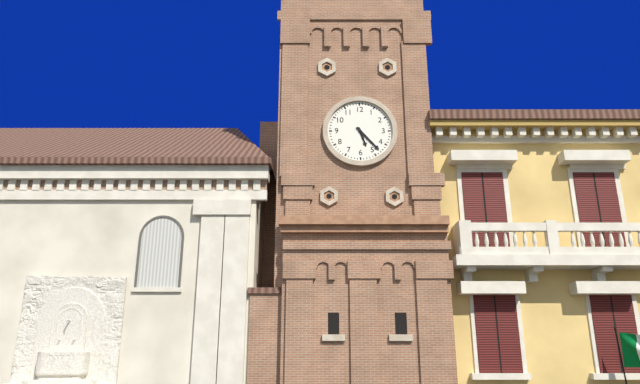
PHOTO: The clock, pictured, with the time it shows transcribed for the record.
5:23
